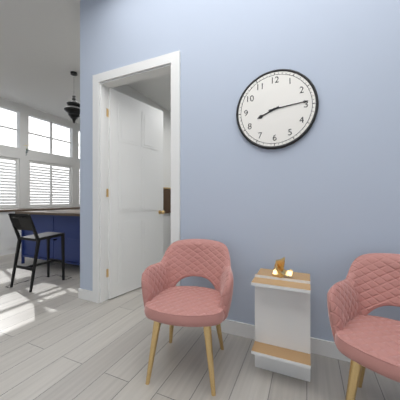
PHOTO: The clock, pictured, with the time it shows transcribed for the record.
8:14
